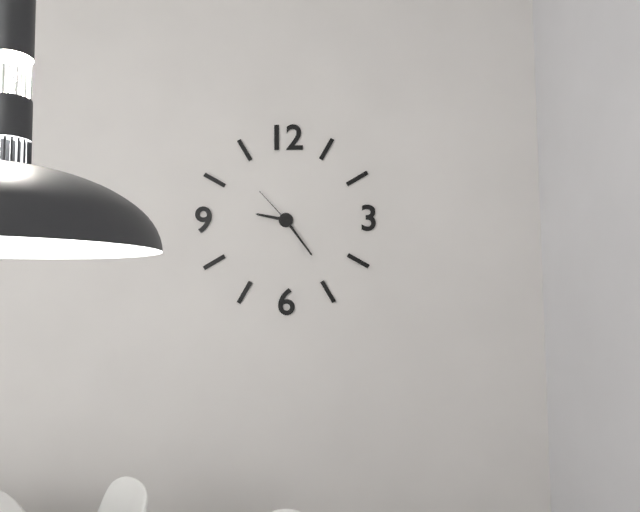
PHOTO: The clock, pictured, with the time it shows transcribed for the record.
9:24
